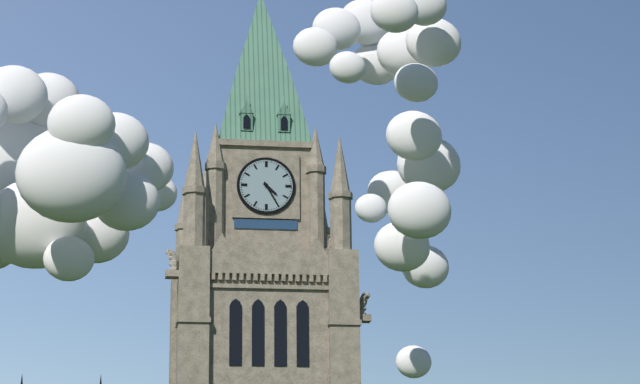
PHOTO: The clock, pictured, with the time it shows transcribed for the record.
4:25
